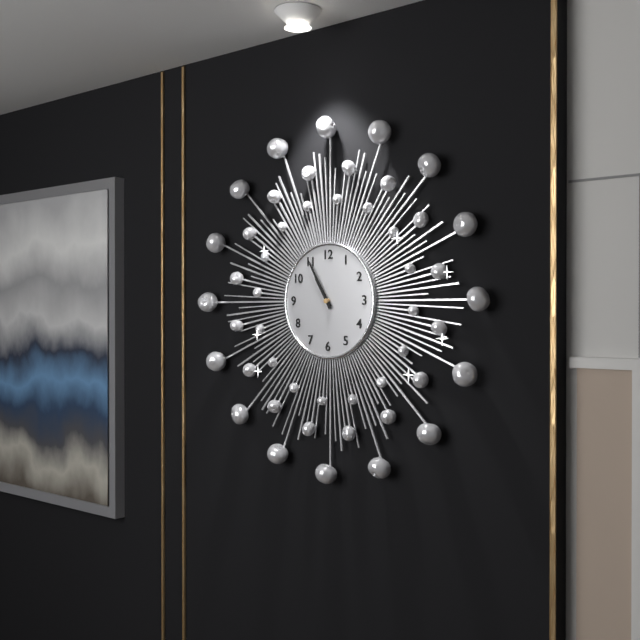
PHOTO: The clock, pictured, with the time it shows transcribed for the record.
10:55
